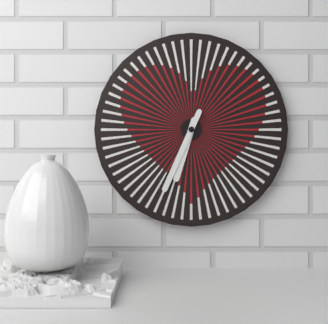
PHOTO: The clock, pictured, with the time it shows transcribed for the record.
6:34
